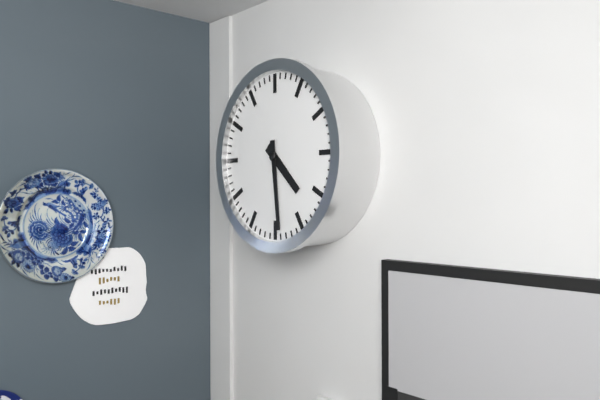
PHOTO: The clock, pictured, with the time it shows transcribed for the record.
4:29
